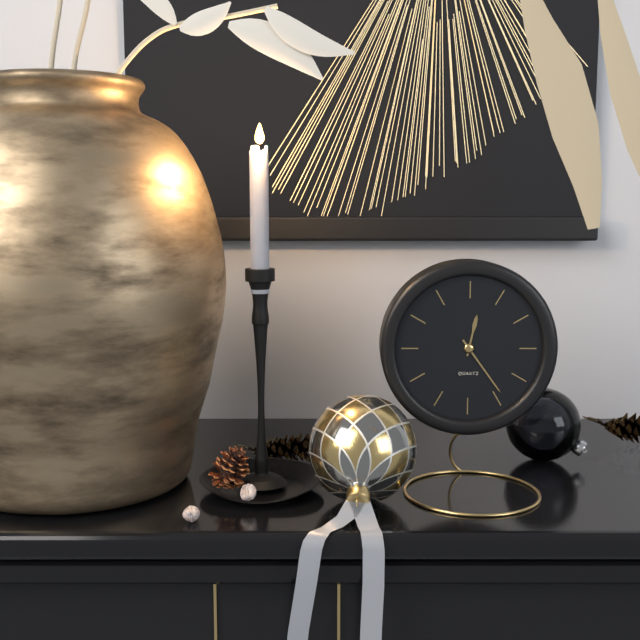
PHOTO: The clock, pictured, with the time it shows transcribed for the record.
12:24
